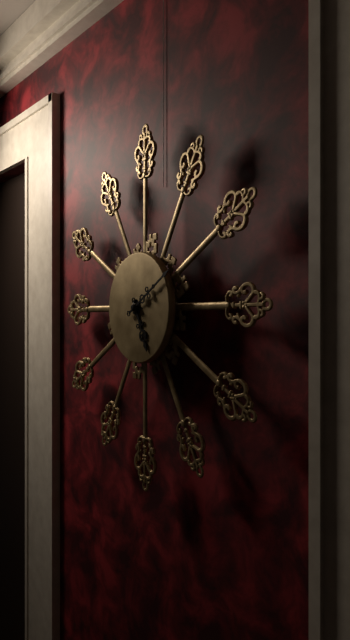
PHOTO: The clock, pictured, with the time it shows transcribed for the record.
5:10
